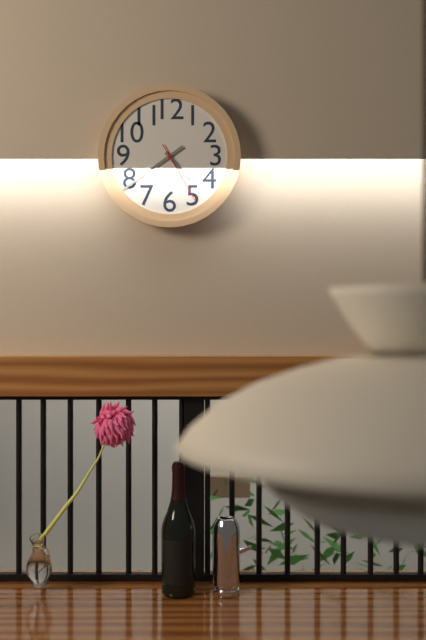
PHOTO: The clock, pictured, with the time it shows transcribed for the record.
4:39:25
